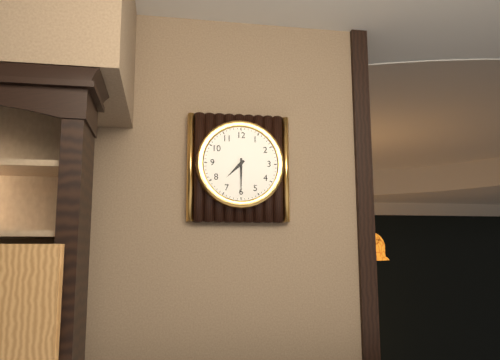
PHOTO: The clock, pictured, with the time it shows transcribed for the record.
7:30
